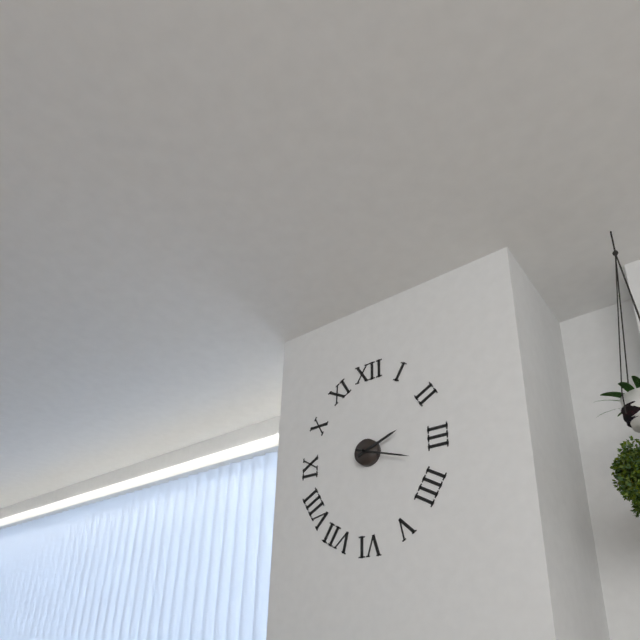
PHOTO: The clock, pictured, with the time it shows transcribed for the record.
2:18
